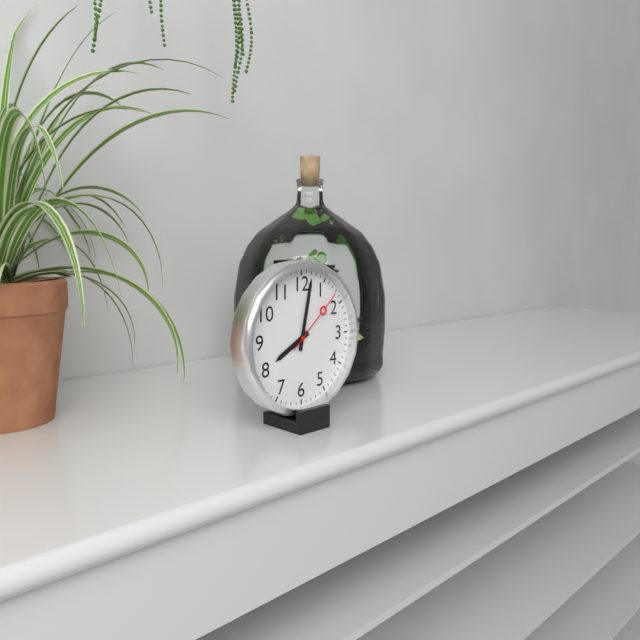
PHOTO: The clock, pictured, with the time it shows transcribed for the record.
8:02:08
